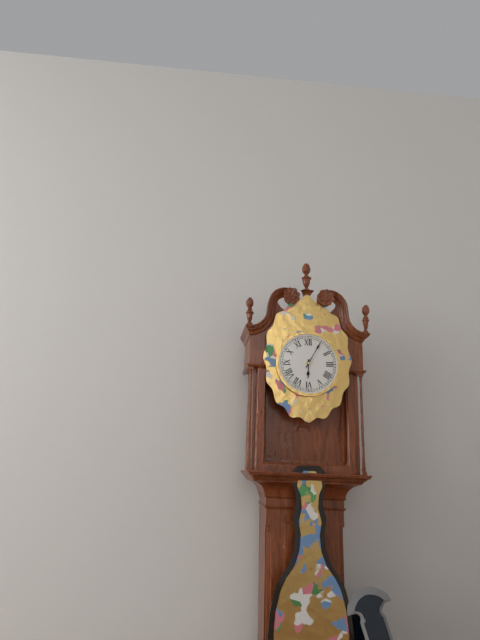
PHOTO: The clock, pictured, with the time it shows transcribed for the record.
6:05
